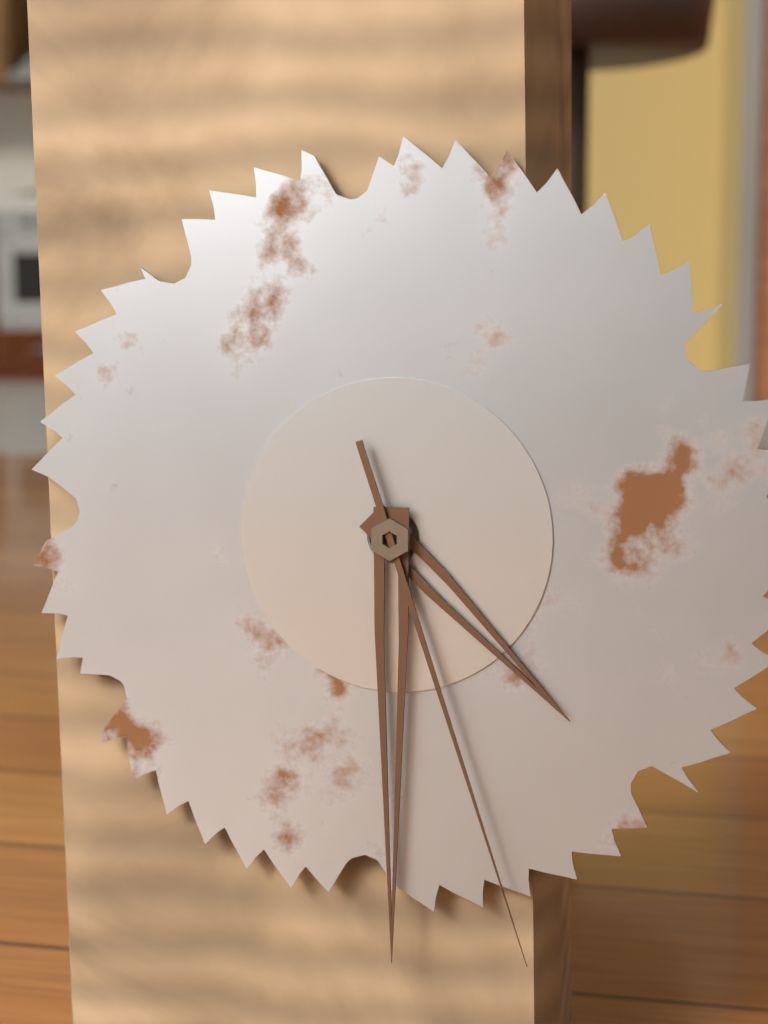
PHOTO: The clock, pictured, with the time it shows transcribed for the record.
4:30:27
